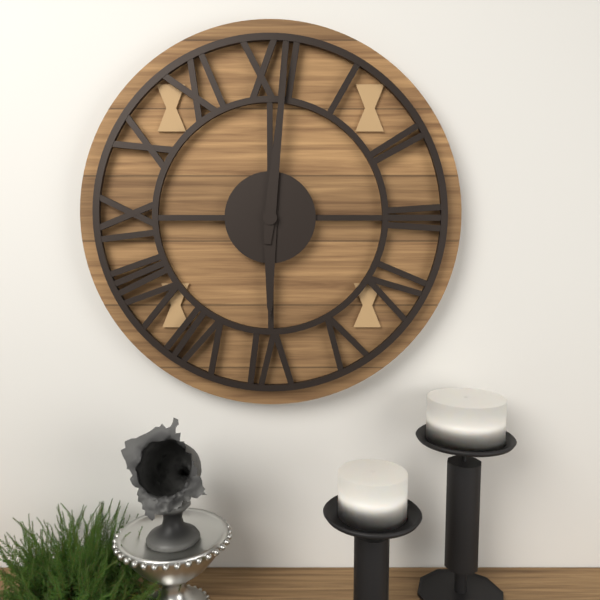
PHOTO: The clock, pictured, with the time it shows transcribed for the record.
6:01
